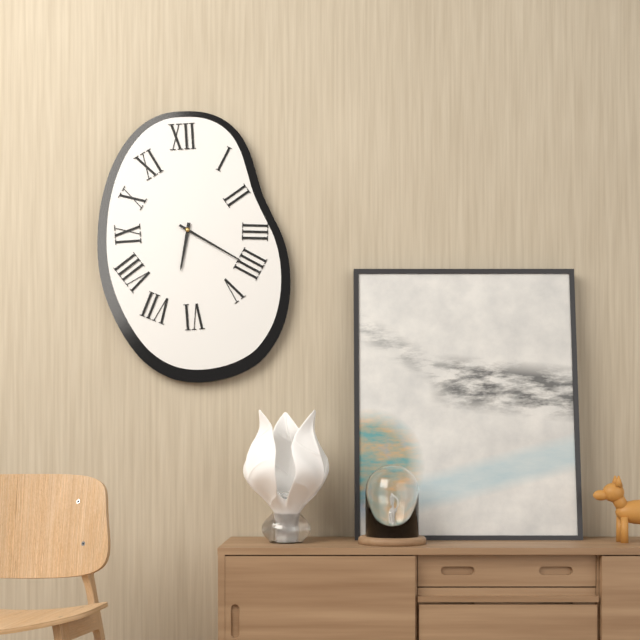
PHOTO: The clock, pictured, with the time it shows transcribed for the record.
6:20
